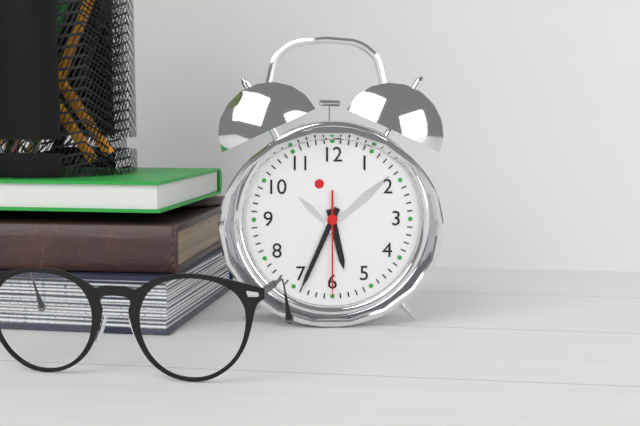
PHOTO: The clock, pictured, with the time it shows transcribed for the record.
5:34:30
